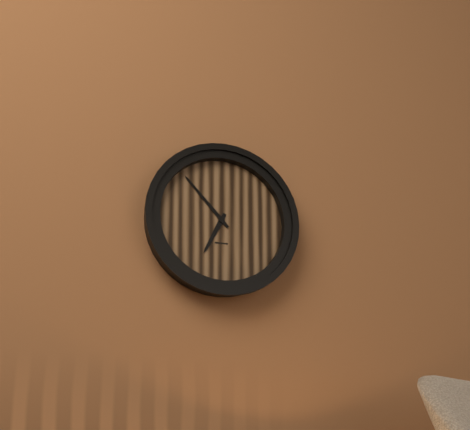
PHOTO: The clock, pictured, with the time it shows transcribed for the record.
6:53
